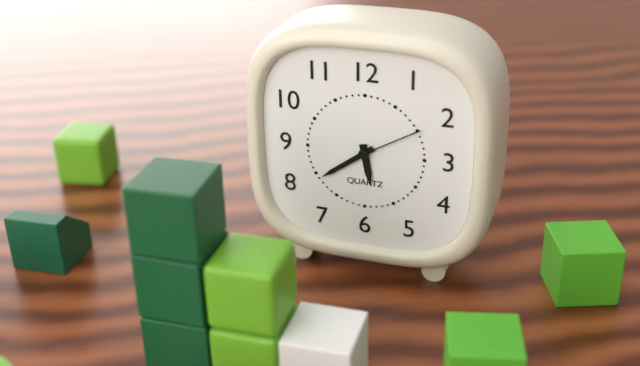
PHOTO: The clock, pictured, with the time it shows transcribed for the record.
5:39:10
